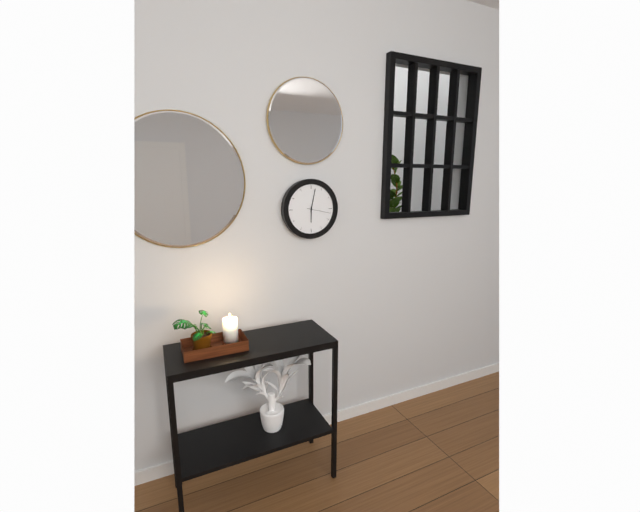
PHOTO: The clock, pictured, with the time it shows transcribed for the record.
6:02
